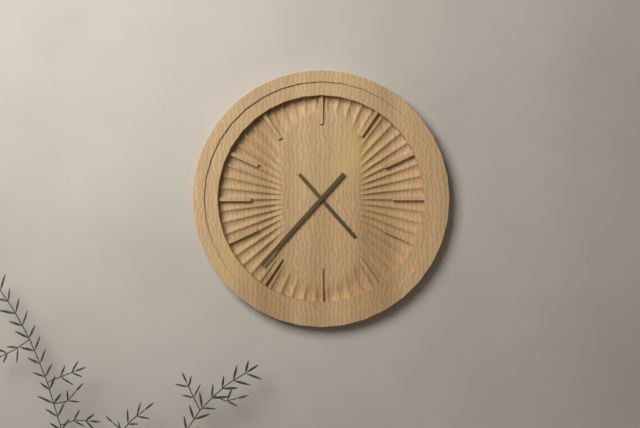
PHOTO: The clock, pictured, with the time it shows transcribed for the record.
4:37
